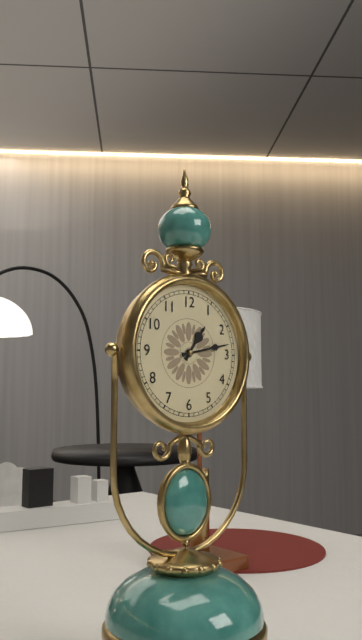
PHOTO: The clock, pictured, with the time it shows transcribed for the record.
1:13
